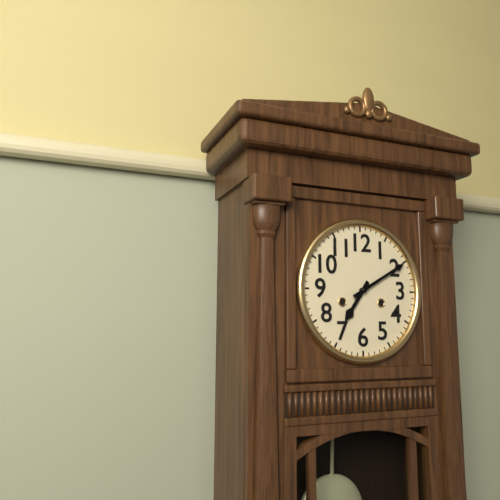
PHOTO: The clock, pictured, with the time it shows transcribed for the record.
7:10
